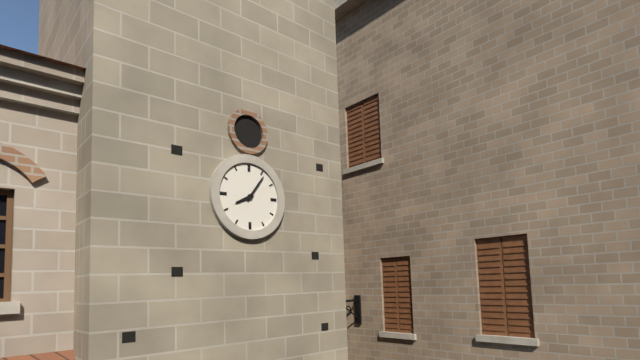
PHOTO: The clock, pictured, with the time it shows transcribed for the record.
8:06
